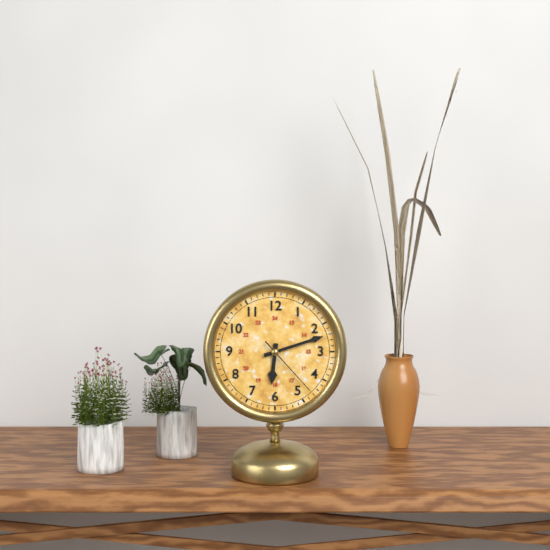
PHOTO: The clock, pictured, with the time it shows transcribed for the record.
6:12:23
